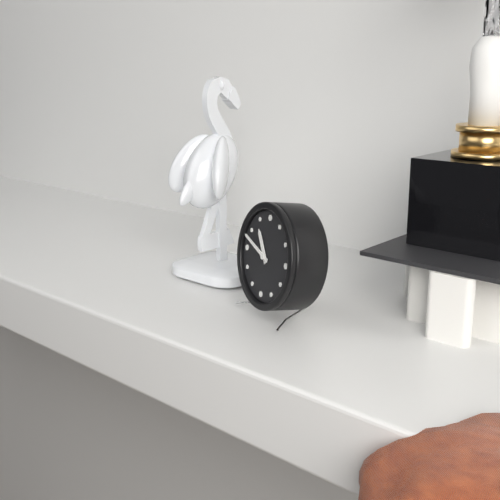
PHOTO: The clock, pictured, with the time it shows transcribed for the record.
10:48
